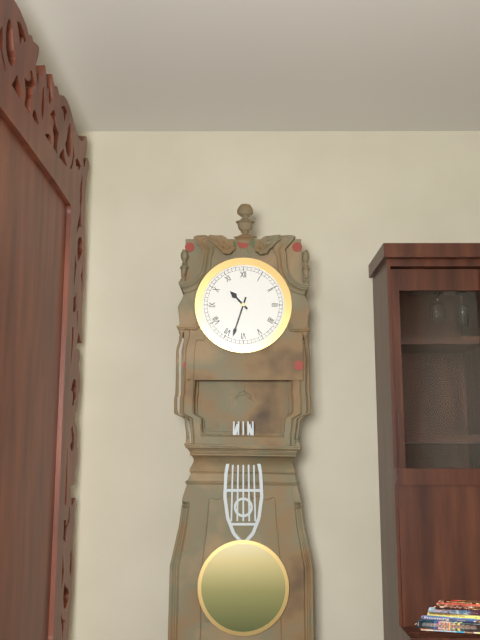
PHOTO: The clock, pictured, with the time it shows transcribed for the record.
10:33
